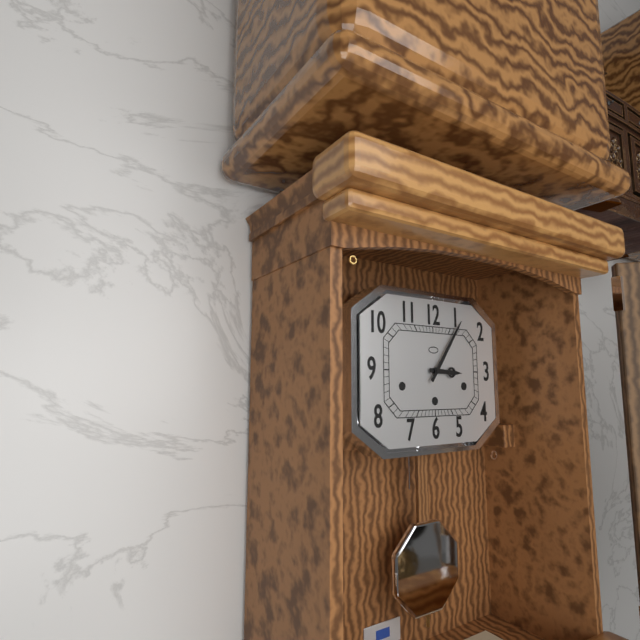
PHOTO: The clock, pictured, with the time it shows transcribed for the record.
3:06
